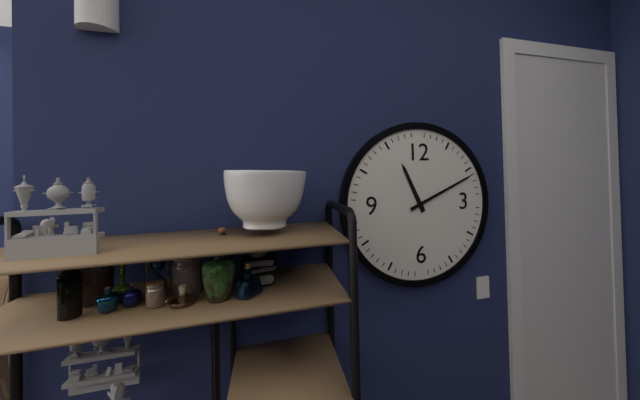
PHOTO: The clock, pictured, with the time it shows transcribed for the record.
11:11
